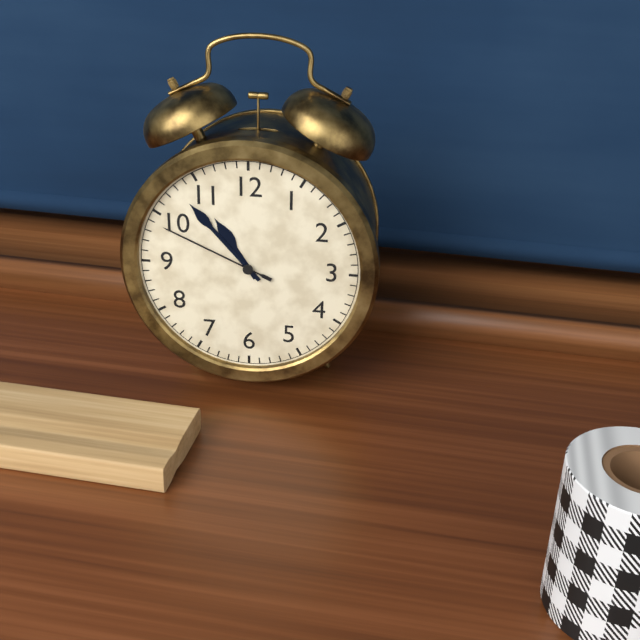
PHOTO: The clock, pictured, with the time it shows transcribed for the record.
10:53:49
